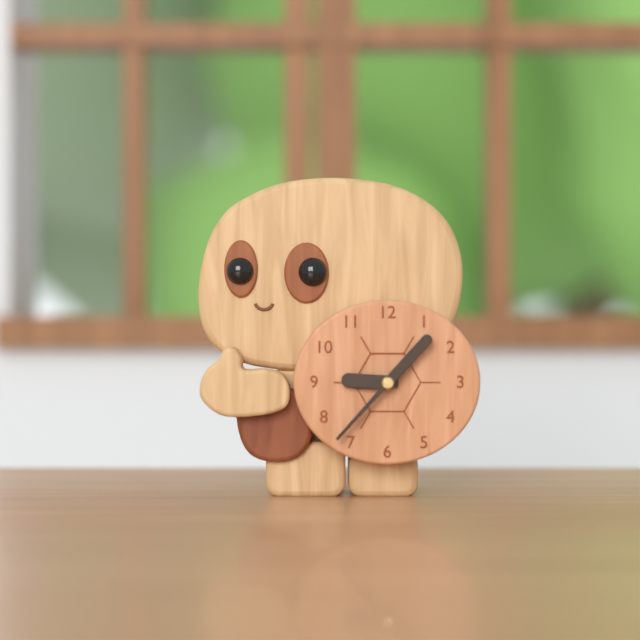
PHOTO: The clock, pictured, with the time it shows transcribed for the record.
9:07
